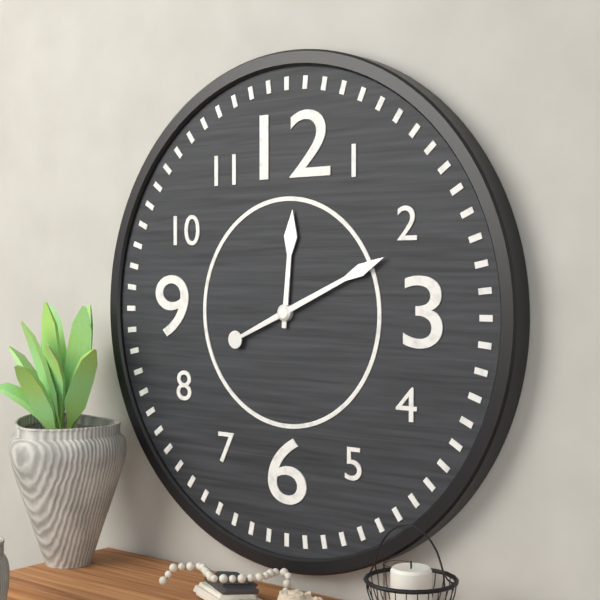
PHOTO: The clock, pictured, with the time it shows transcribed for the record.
12:11
